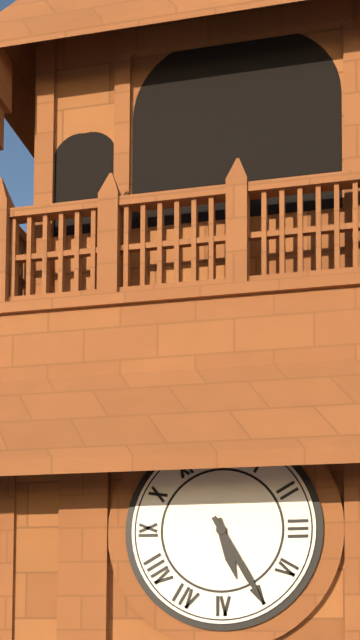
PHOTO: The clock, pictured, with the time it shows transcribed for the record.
5:25
